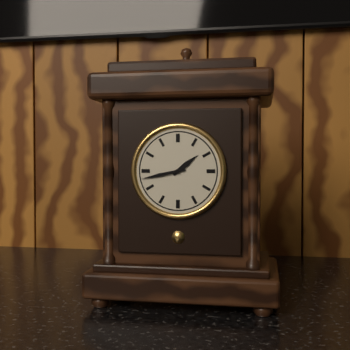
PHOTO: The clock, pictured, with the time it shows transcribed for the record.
1:43
